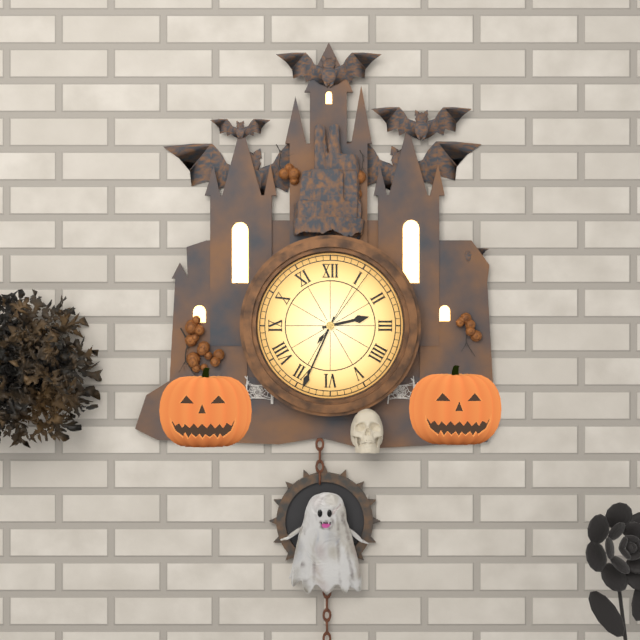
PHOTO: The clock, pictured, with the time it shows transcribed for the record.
2:34:06
